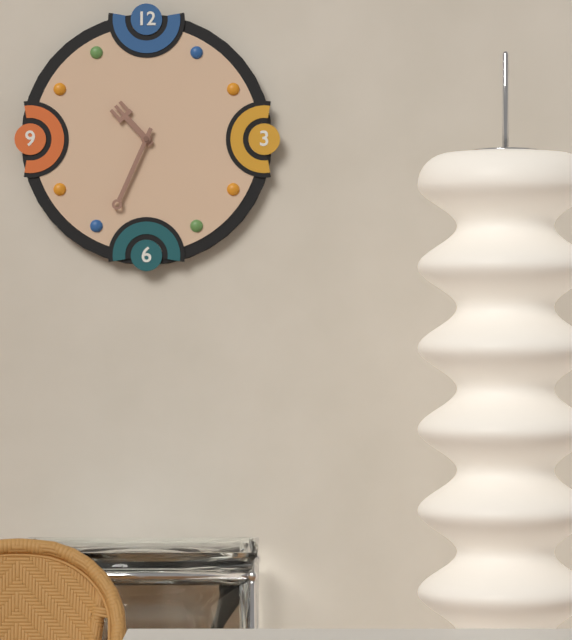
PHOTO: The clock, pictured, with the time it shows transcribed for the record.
10:34
